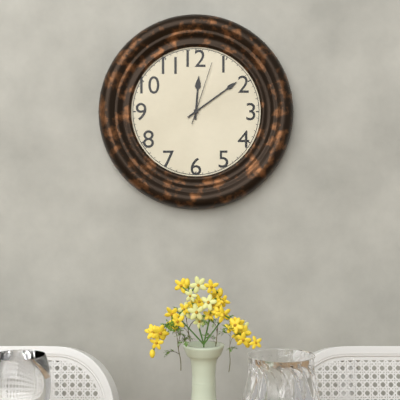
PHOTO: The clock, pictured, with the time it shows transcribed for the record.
12:09:03
